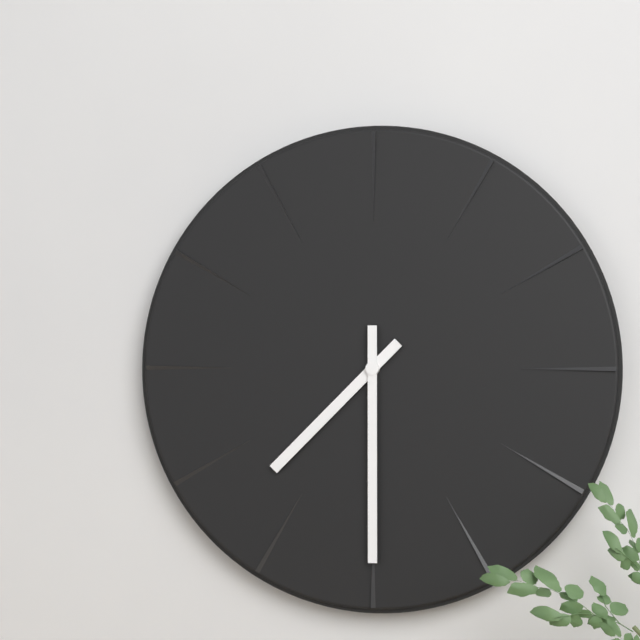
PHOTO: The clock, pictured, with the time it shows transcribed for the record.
7:30
